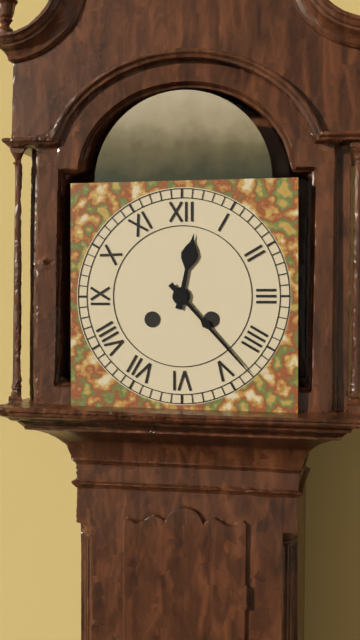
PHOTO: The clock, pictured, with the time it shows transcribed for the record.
12:23
